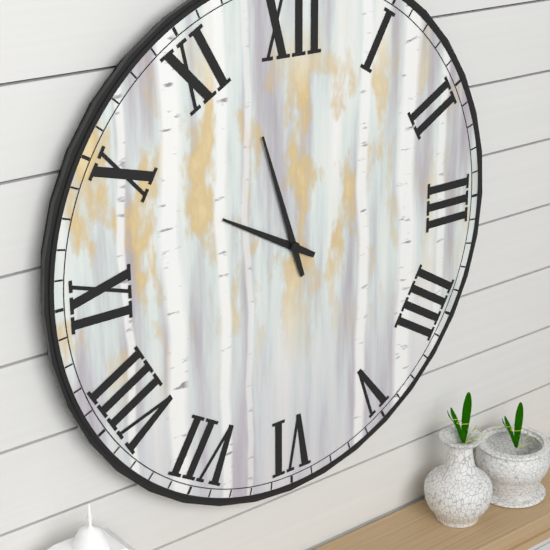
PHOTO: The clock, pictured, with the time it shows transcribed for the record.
9:57
